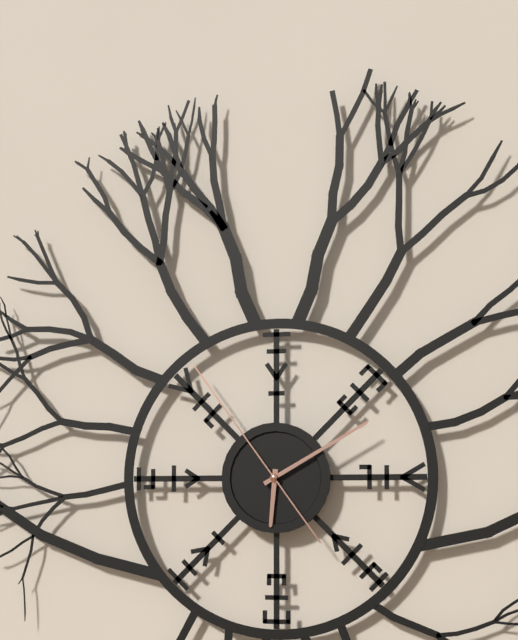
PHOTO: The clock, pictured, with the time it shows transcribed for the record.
6:10:54
